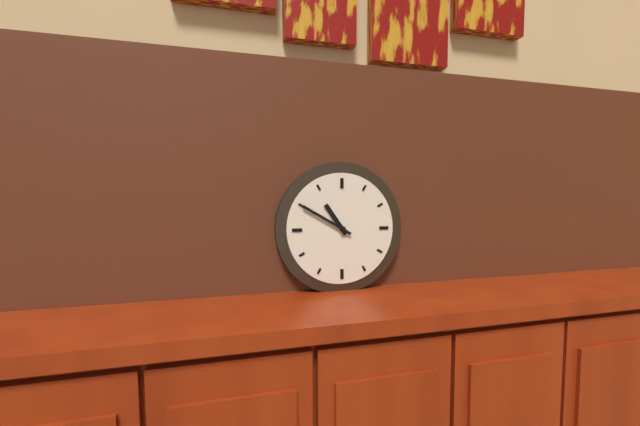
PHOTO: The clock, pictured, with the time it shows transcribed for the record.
10:50
